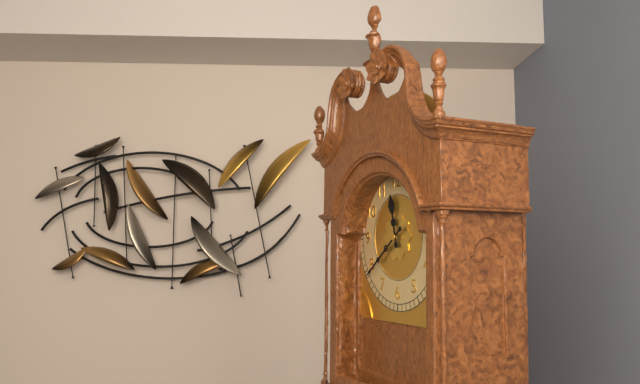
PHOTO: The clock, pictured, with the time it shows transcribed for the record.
11:39
